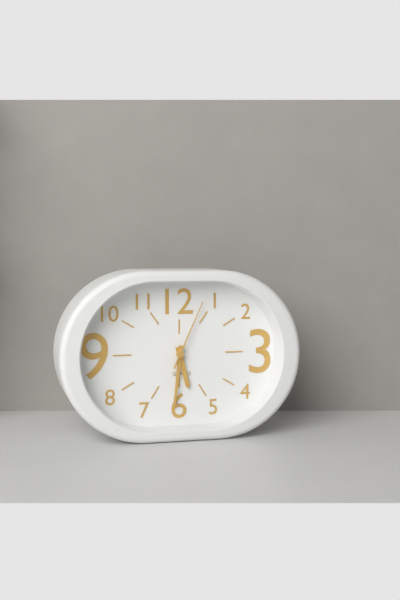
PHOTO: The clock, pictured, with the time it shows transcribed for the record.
5:31:04
